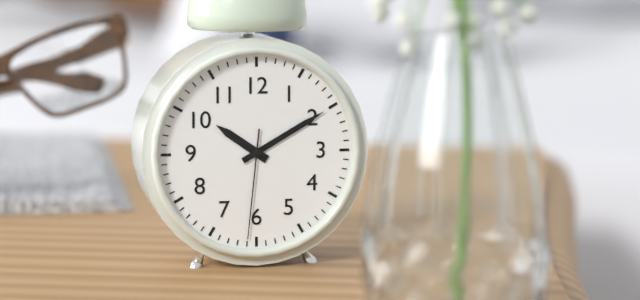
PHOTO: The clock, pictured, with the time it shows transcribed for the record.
10:10:31
